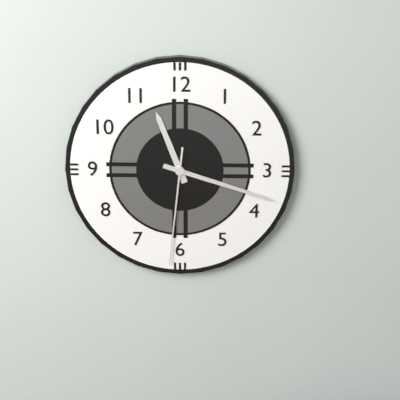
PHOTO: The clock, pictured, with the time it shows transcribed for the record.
11:18:31
